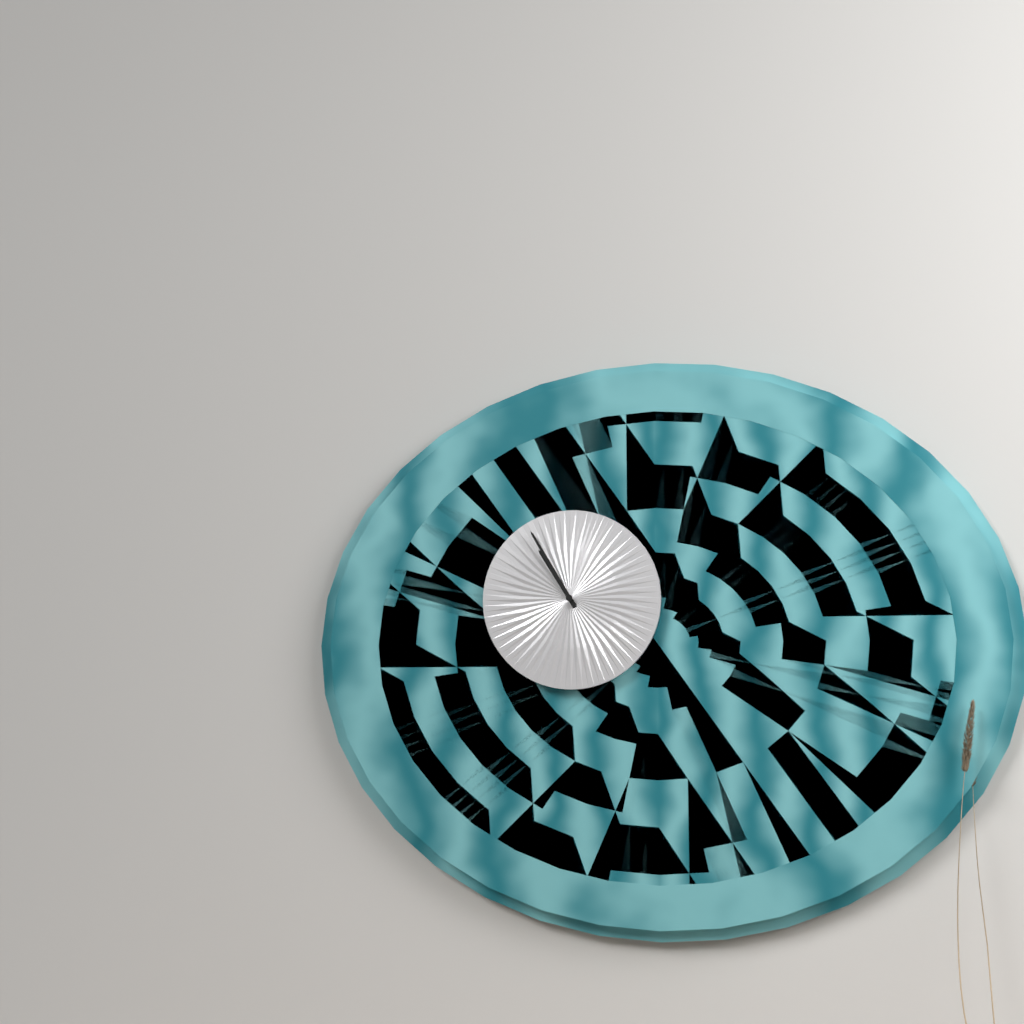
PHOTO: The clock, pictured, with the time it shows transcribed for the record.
10:55
